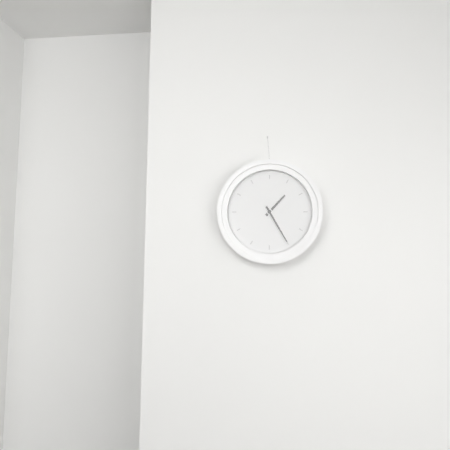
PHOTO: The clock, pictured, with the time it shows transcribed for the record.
1:25
